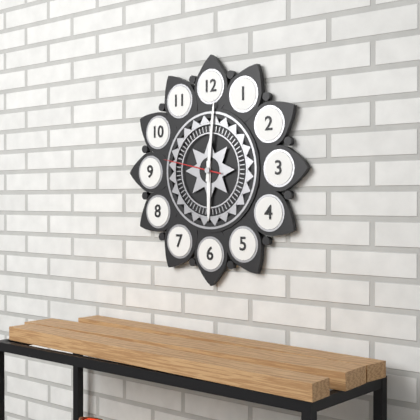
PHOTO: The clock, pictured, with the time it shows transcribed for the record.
6:01:47
